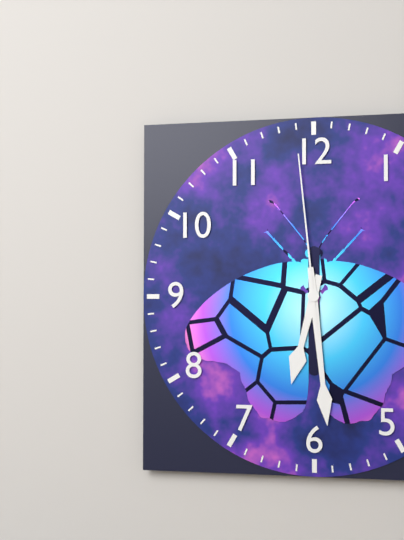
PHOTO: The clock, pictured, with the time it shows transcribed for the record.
6:29:59
